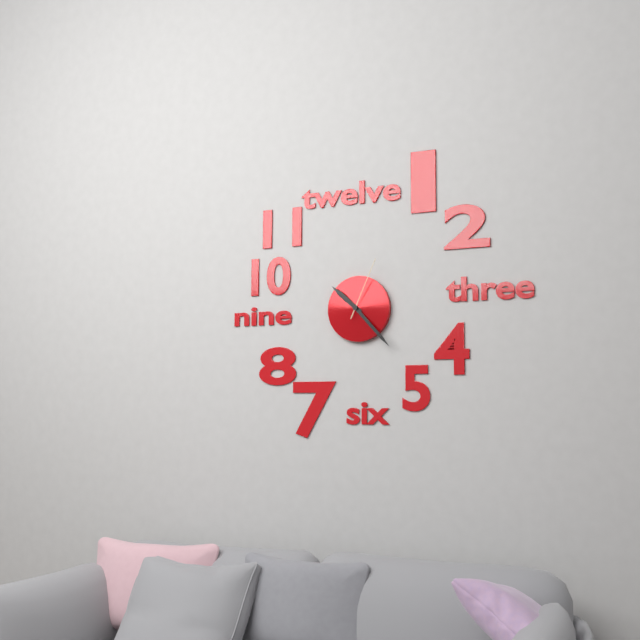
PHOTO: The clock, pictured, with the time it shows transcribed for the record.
10:23:04
